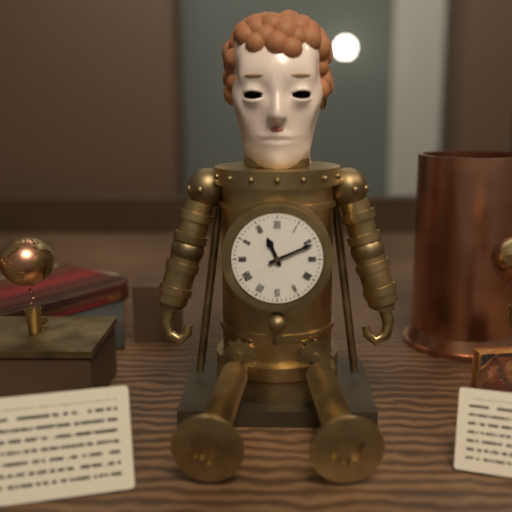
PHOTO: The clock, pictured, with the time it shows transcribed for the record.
11:11
